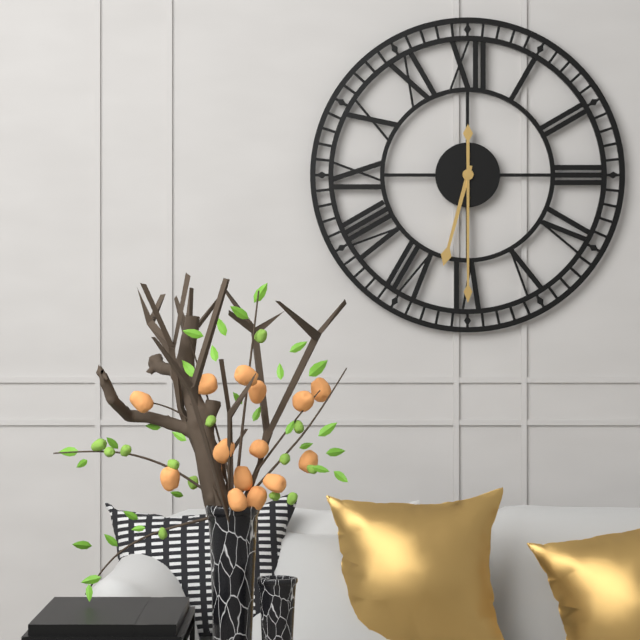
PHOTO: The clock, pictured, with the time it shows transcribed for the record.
6:30
